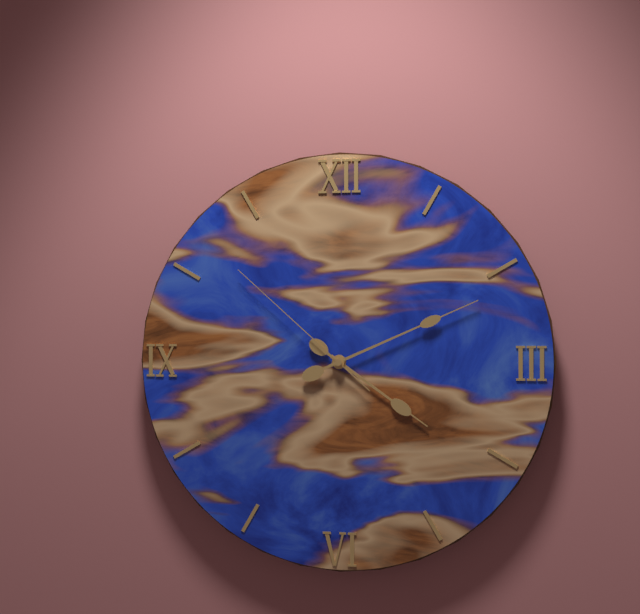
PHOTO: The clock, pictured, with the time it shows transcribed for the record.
4:11:52
